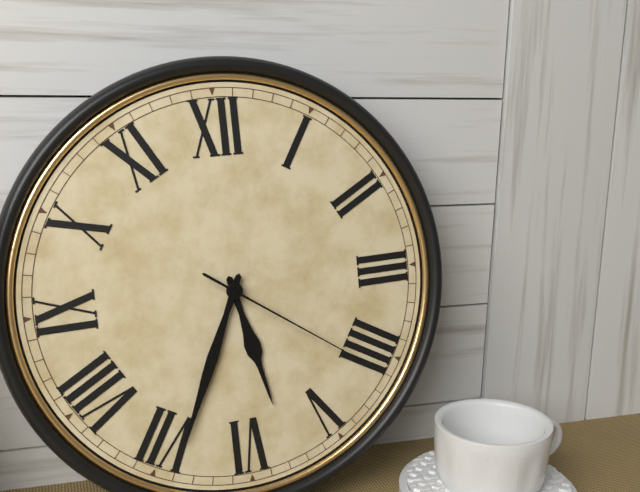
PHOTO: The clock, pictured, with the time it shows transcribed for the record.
5:34:21
